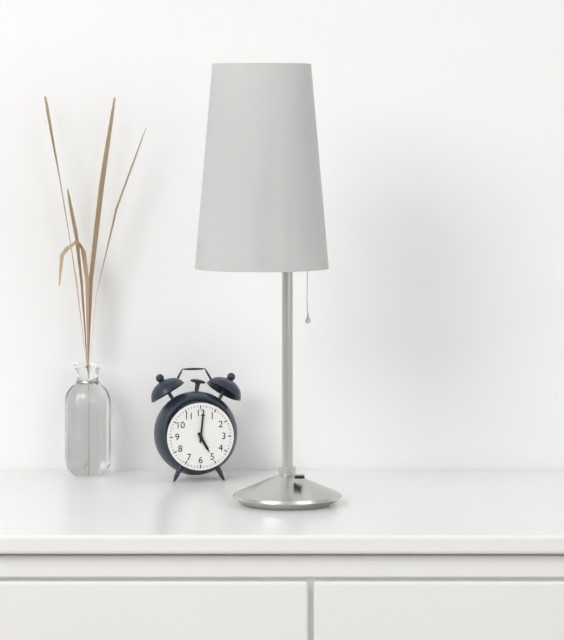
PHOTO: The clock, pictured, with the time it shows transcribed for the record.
5:01
